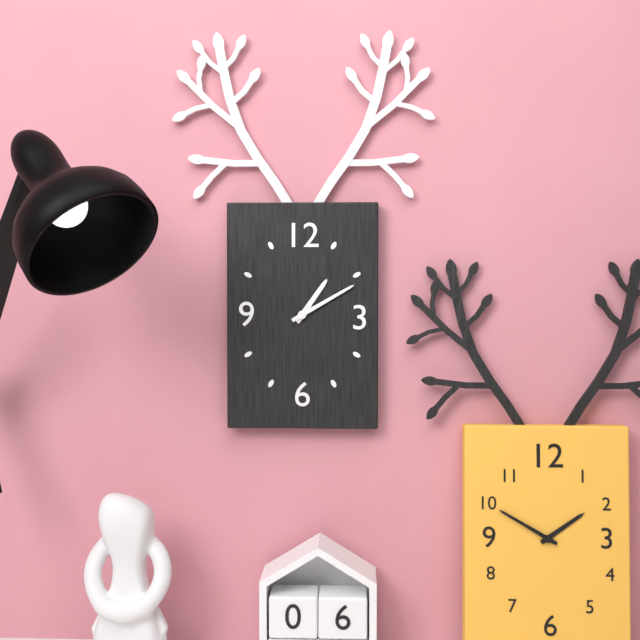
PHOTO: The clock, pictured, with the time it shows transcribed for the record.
1:10
